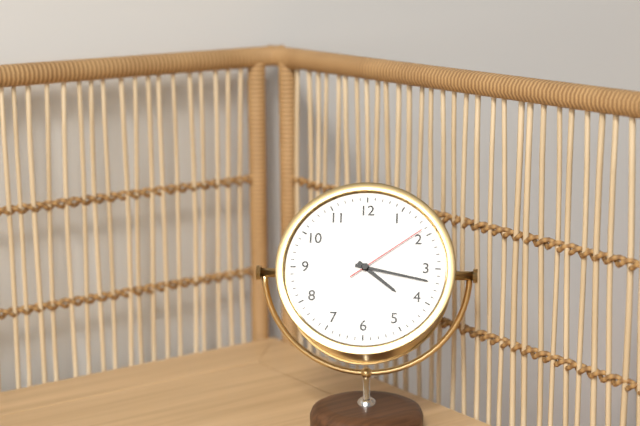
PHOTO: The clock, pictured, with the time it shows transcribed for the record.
4:17:09
